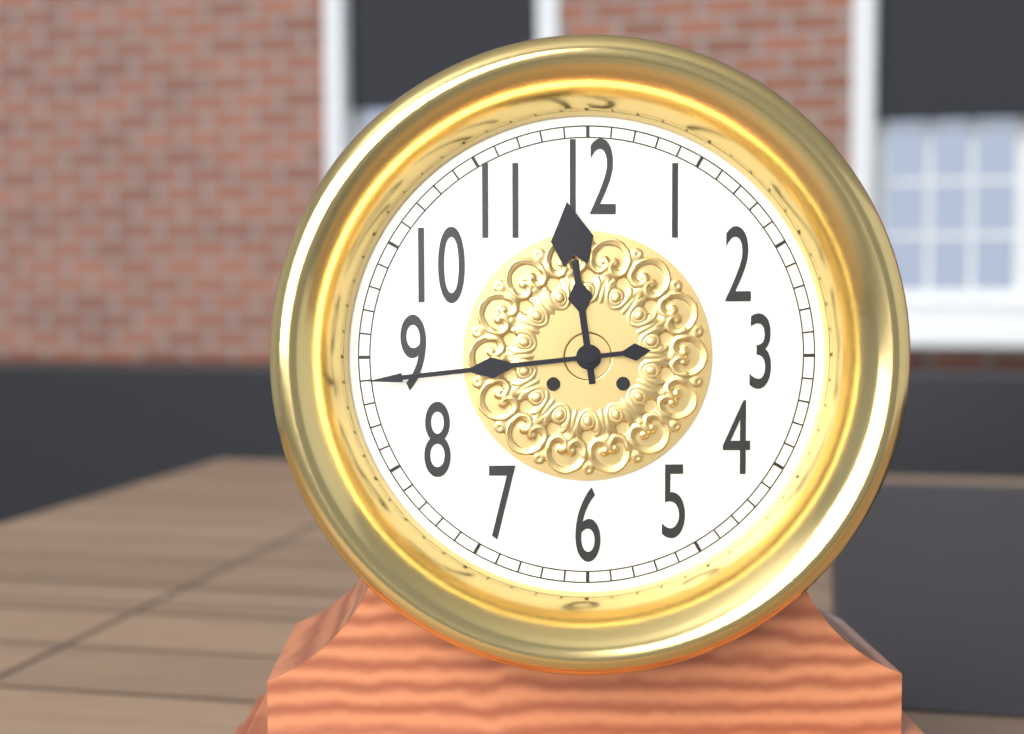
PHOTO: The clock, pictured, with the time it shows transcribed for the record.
11:44
